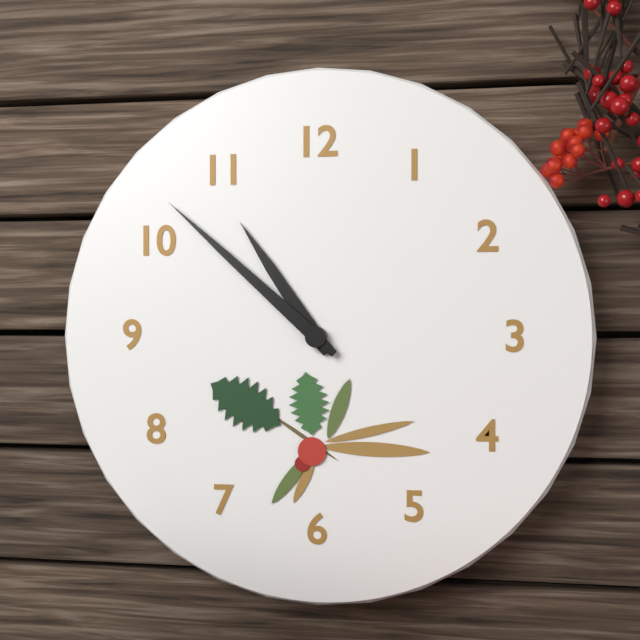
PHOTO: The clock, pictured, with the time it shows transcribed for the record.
10:52
